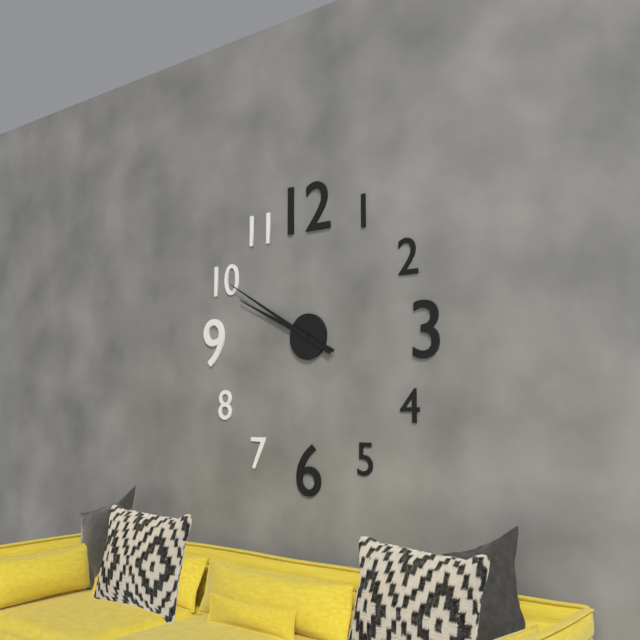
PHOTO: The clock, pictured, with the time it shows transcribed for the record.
9:50
